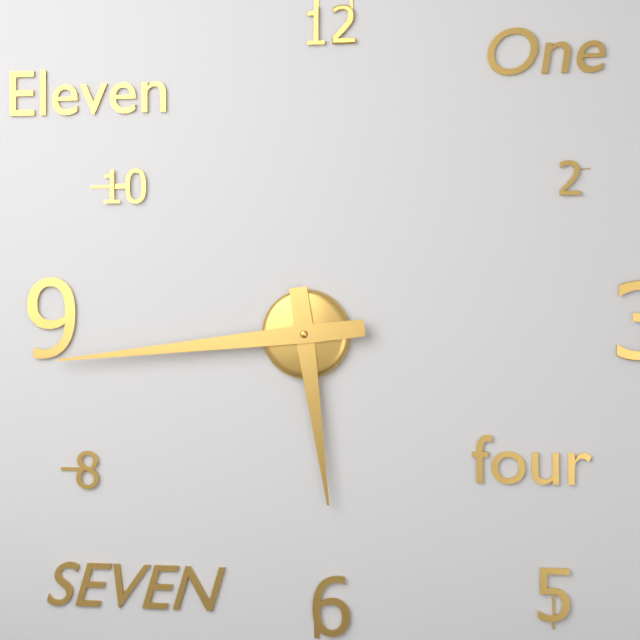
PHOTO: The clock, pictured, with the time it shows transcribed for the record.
5:44
